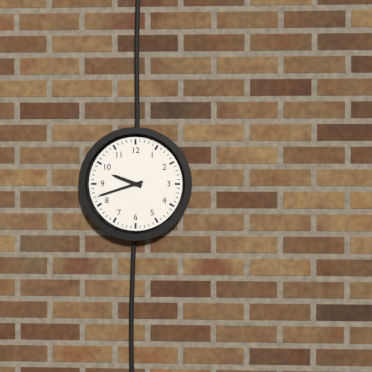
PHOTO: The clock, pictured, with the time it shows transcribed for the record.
9:42
